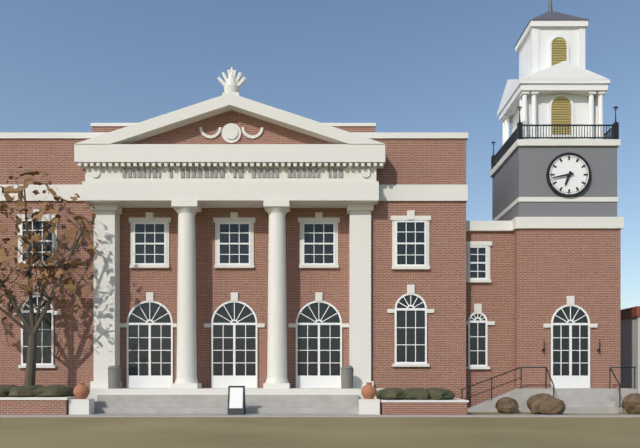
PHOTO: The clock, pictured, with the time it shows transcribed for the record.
6:43
